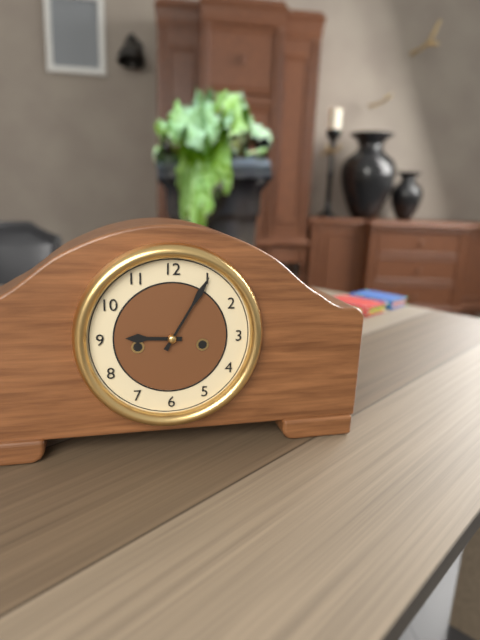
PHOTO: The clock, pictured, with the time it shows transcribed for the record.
9:05
